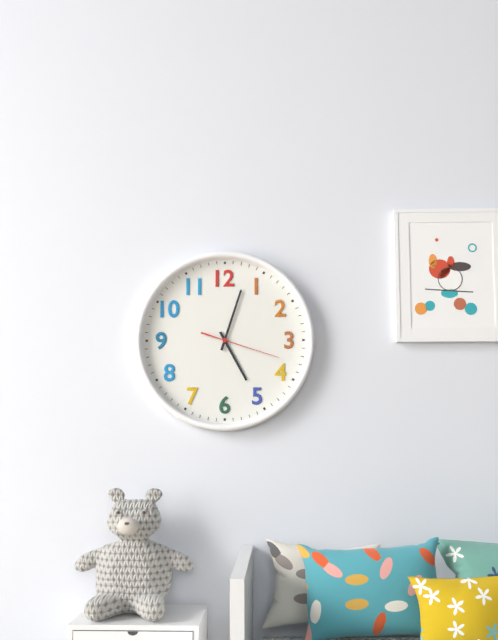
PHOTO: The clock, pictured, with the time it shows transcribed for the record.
5:03:18
